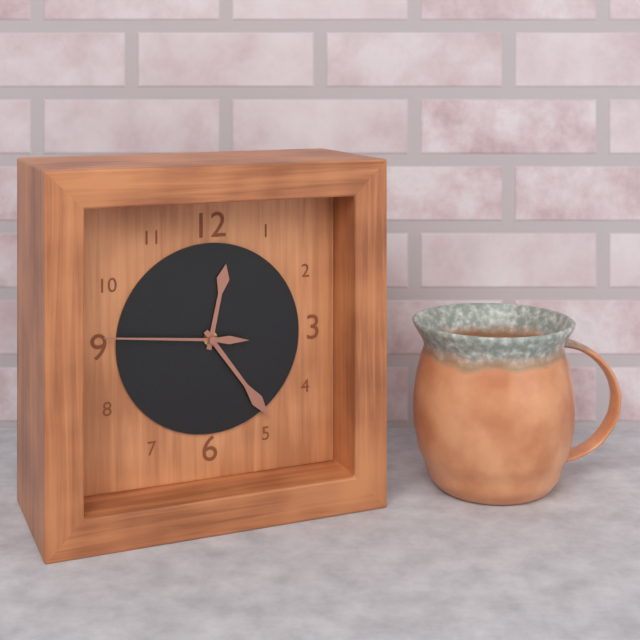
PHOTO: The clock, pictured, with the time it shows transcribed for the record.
12:24:46
